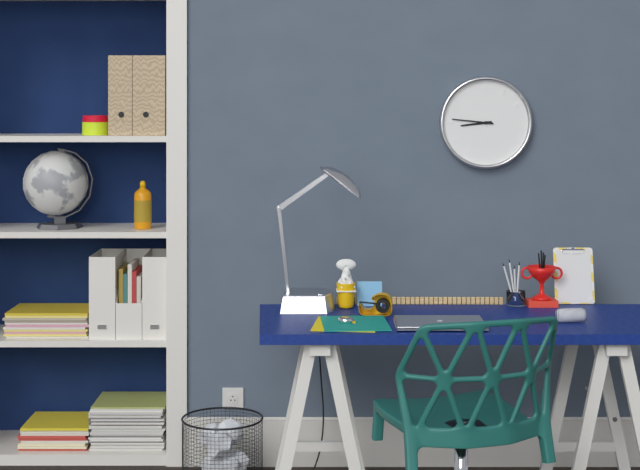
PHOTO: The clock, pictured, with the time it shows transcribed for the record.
8:46
